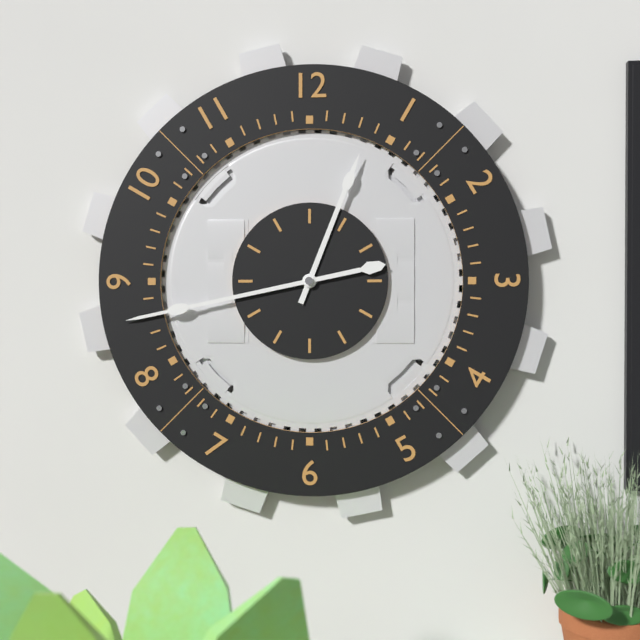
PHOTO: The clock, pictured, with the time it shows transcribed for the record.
12:43
